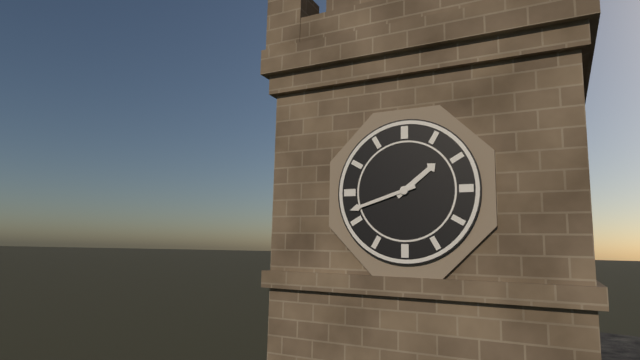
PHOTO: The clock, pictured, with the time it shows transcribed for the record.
1:42
